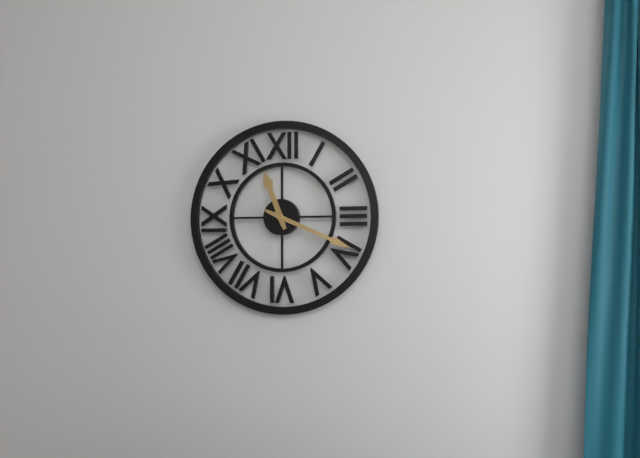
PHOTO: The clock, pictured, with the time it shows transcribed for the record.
11:19
